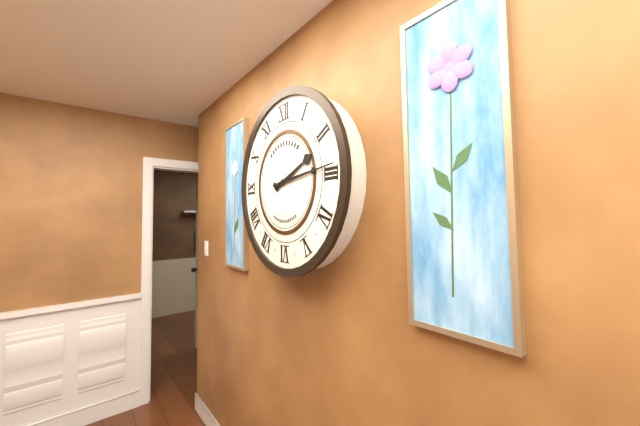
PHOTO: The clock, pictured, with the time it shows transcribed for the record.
2:14
